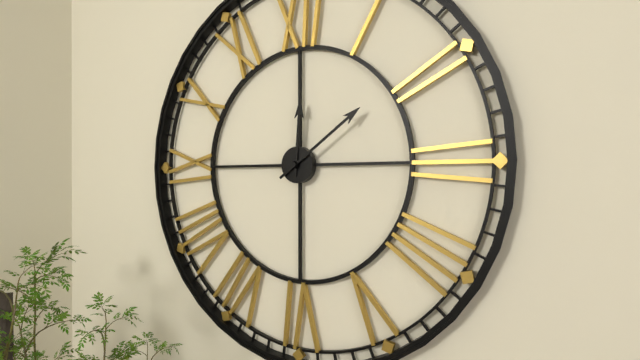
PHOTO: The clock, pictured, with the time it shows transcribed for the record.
12:09
